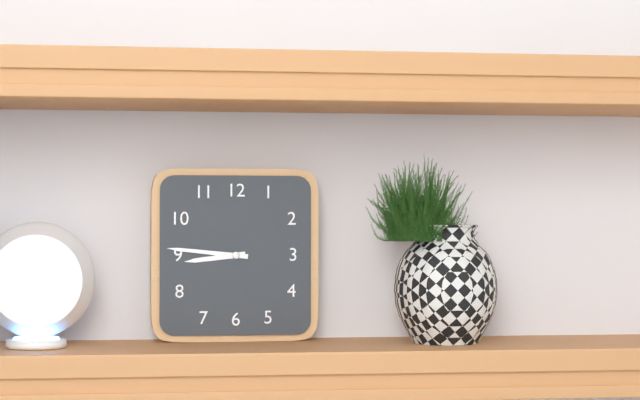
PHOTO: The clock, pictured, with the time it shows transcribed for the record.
8:46
